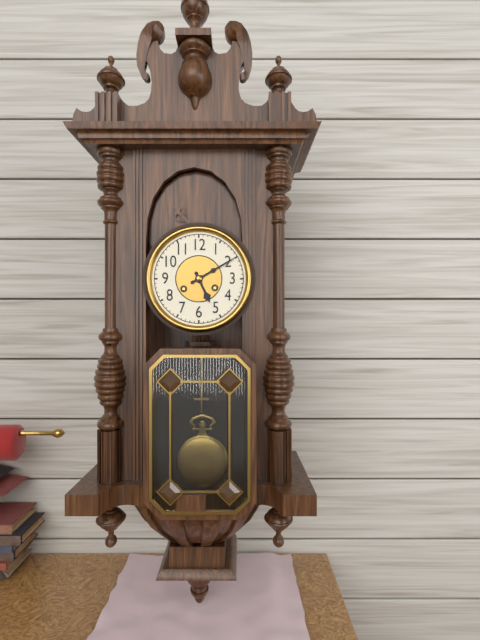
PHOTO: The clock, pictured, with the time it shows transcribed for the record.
5:10
